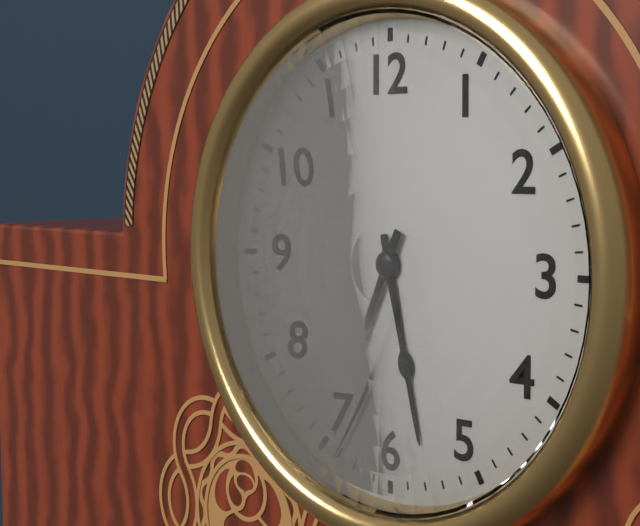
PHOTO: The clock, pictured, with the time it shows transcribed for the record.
5:34
